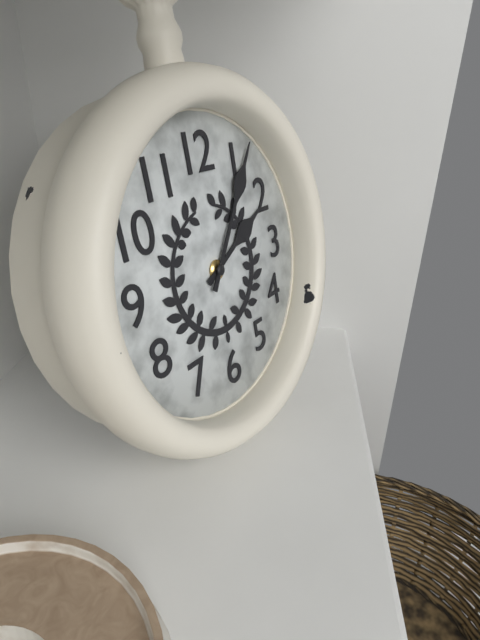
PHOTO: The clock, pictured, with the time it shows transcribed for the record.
2:06
